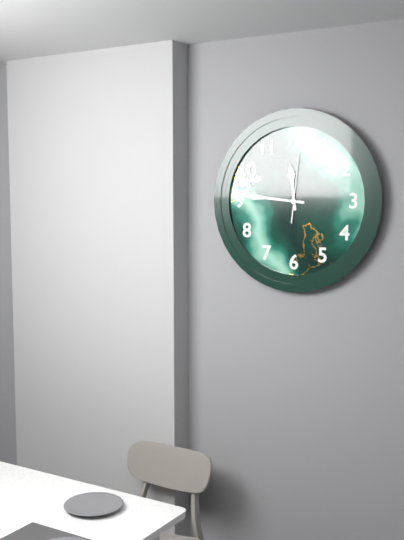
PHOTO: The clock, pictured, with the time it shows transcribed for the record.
11:46:01
